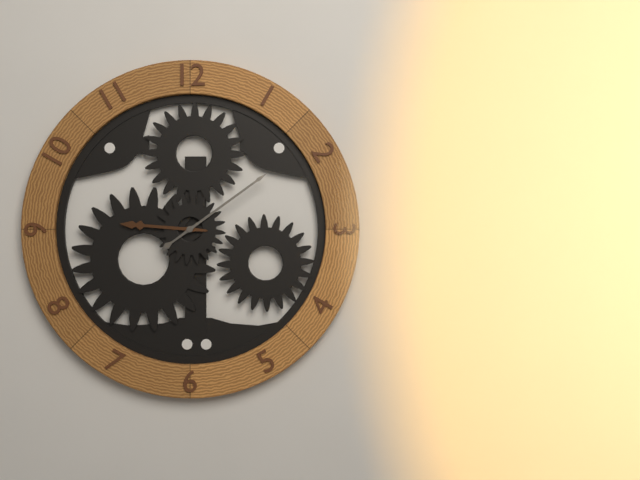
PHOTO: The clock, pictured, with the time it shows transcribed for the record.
9:09
